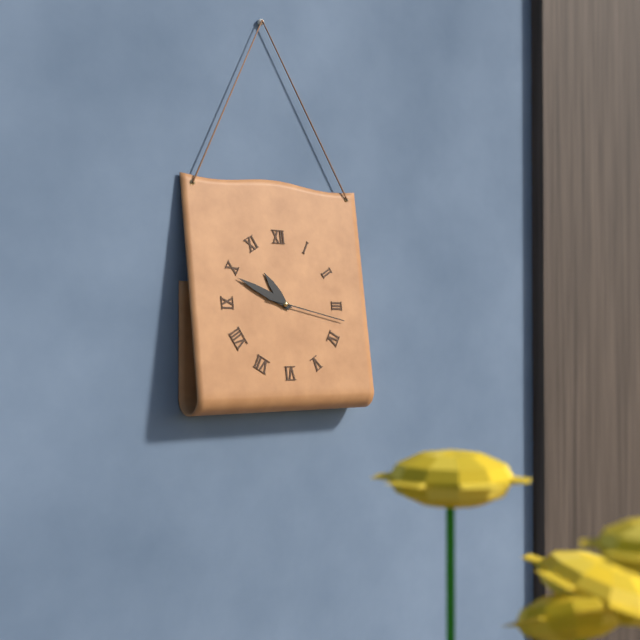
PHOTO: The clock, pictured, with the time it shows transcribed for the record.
10:49:17
